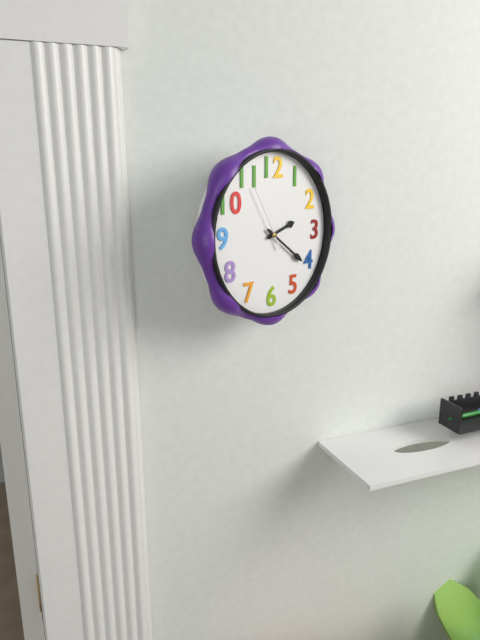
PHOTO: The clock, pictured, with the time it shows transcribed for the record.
2:21:55
